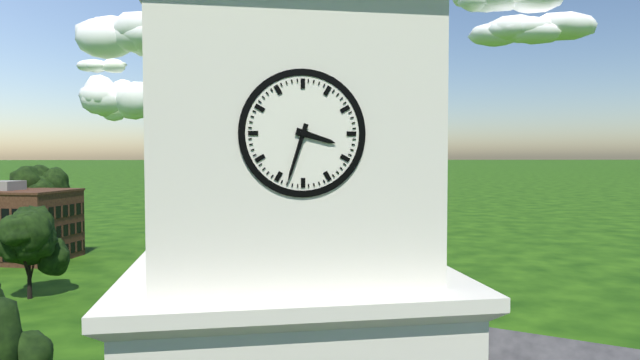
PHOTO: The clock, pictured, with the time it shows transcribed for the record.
3:33
